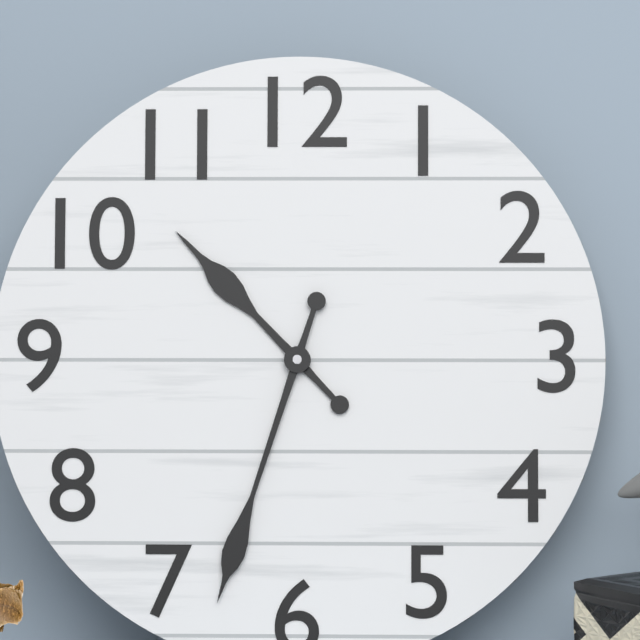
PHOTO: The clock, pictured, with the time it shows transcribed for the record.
10:33
